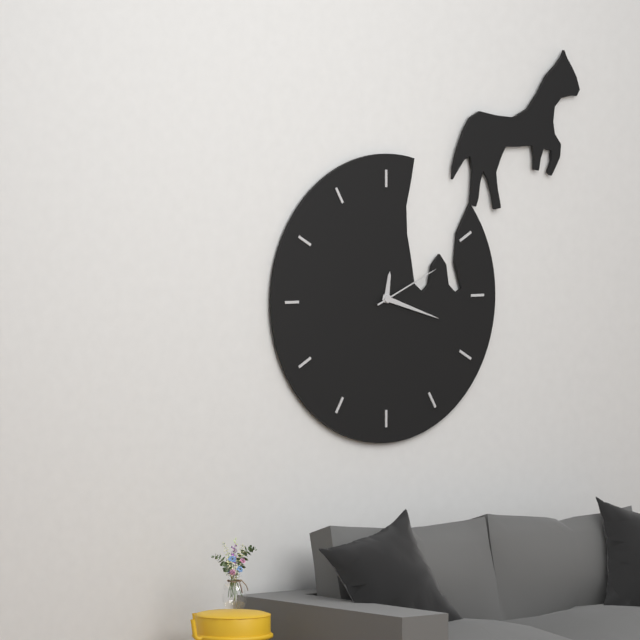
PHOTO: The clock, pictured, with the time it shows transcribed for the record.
12:18:11
